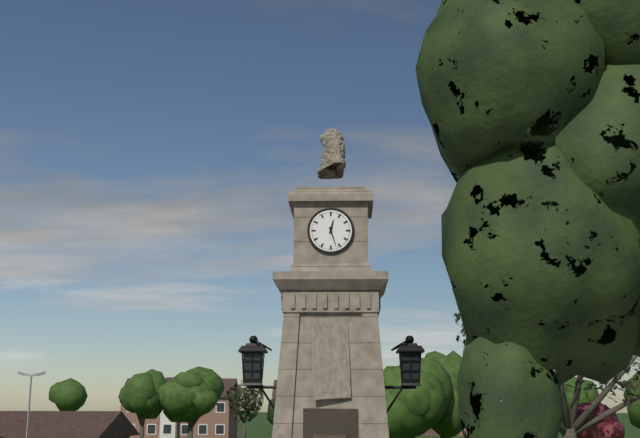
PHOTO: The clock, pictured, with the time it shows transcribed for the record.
12:27
